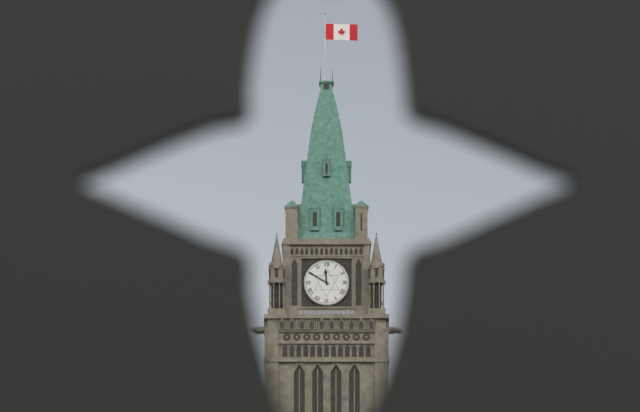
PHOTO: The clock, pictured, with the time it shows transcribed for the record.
11:50
